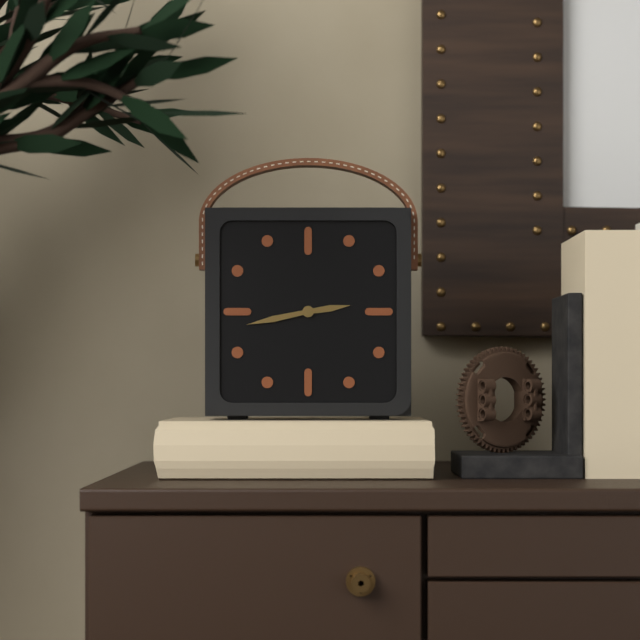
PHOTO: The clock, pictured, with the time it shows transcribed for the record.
2:43
